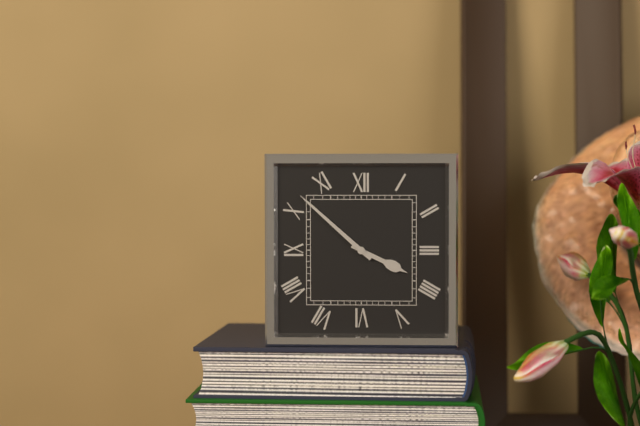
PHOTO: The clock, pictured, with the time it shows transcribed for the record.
3:52
